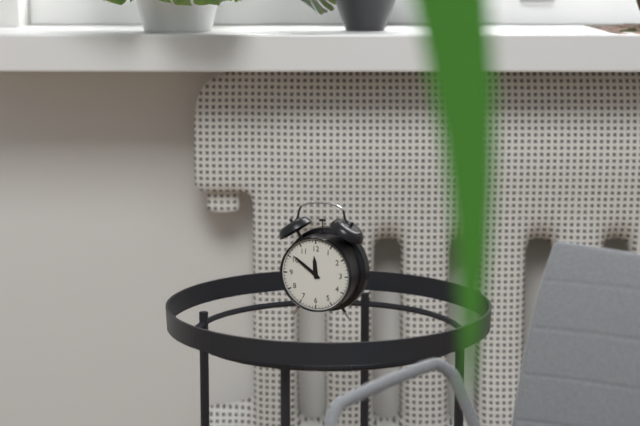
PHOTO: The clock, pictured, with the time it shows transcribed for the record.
11:51
